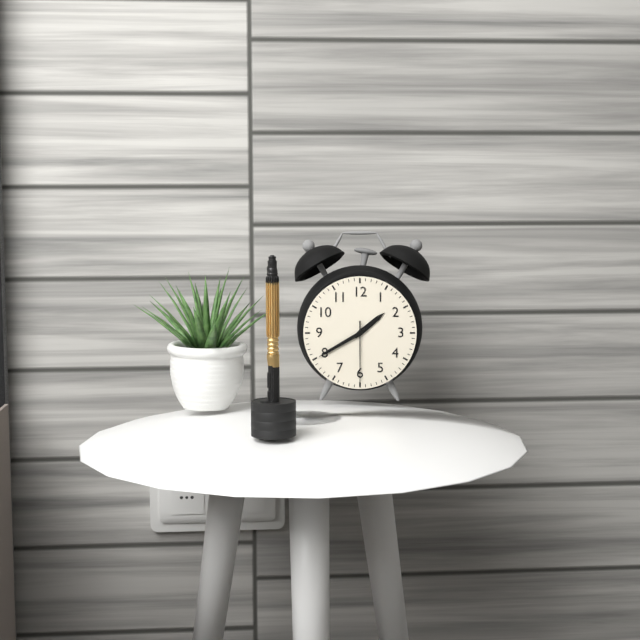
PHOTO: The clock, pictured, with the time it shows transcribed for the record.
1:40:30
